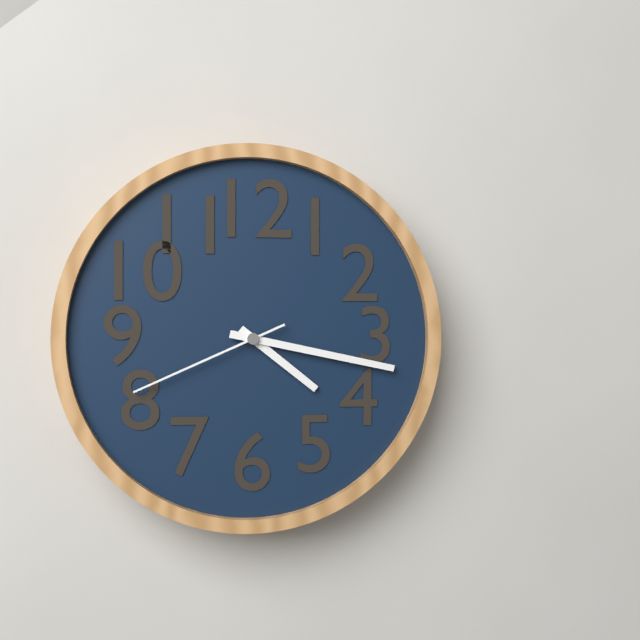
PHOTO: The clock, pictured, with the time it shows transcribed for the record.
4:17:41
